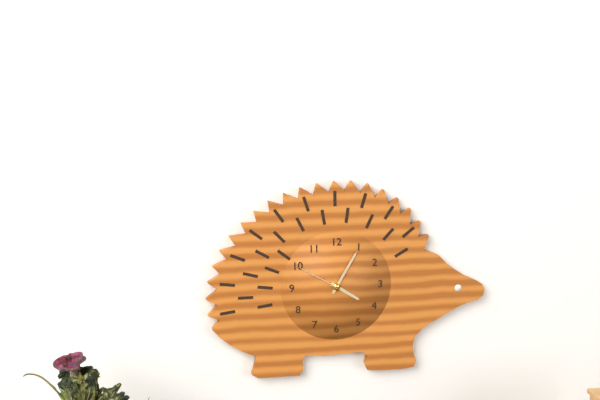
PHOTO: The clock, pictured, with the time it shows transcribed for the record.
4:05:50
